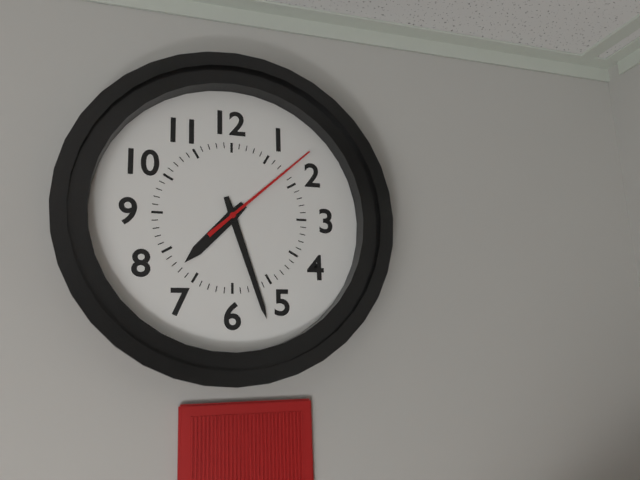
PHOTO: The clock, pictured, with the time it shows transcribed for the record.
7:27:08
